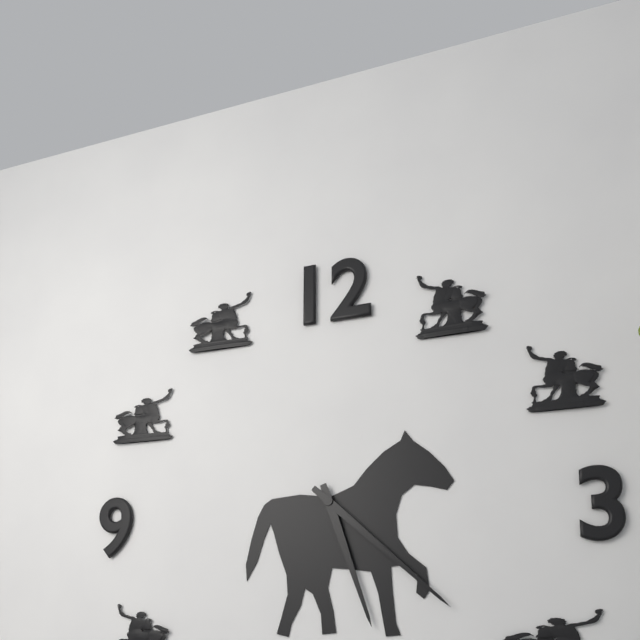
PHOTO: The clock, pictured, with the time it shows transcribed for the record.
5:22
